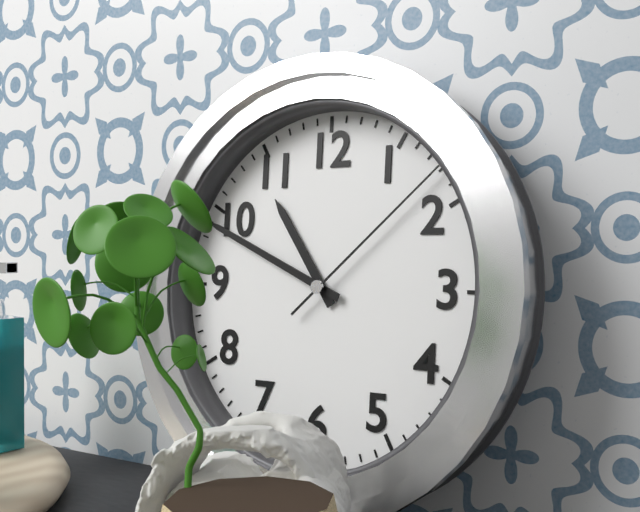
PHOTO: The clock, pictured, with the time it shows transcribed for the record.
10:49:08
